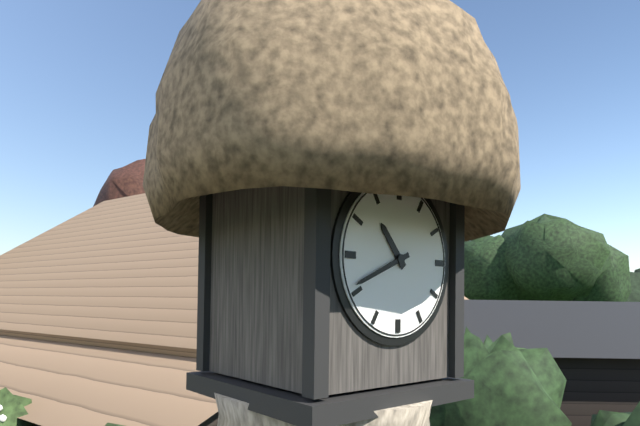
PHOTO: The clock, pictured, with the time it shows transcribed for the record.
10:41
